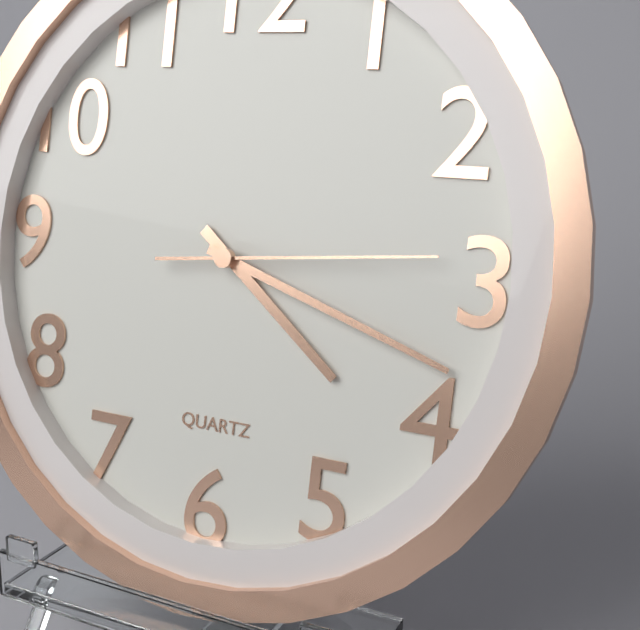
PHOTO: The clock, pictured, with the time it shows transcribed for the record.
4:18:14
